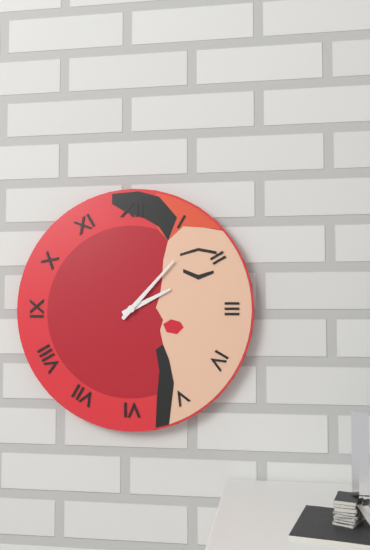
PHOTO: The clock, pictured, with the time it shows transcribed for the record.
2:07
